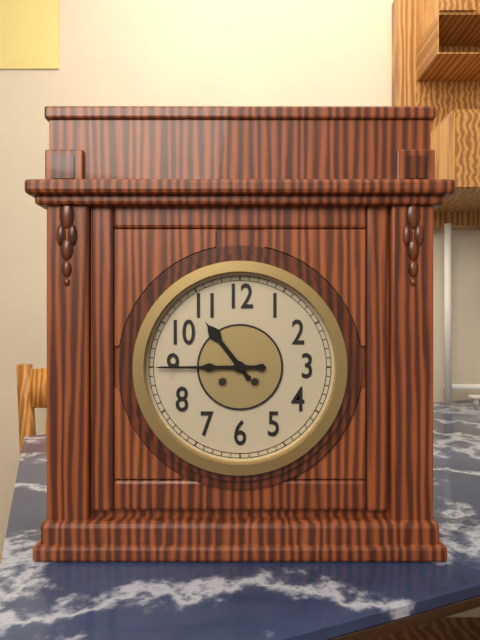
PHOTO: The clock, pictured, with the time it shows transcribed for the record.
10:45
